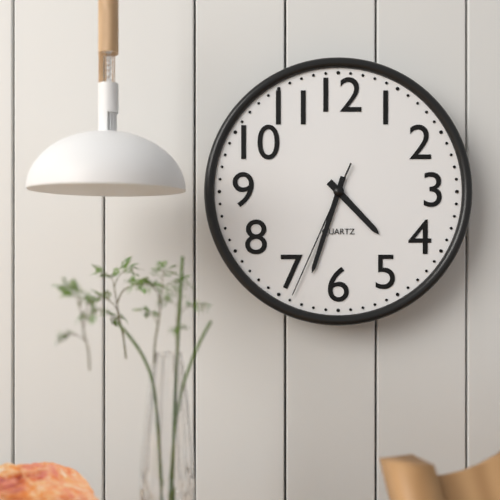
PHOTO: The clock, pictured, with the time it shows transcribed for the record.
4:33:34
